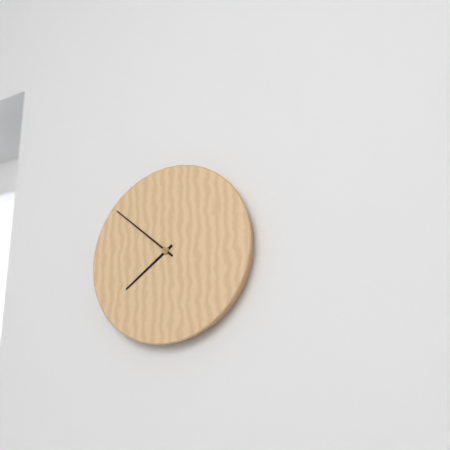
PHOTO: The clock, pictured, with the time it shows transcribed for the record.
7:52
